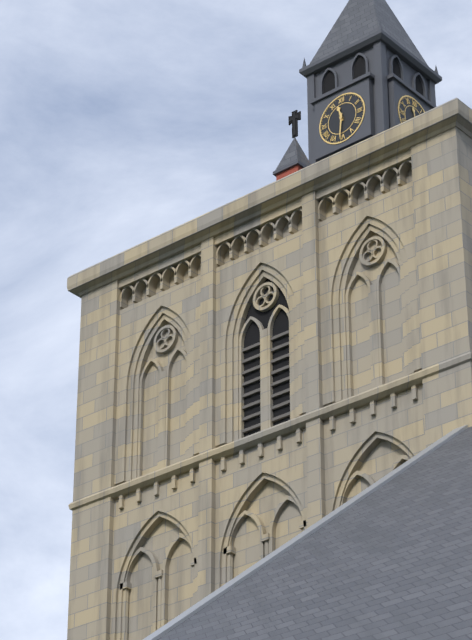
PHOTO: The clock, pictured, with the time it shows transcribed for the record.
11:31
